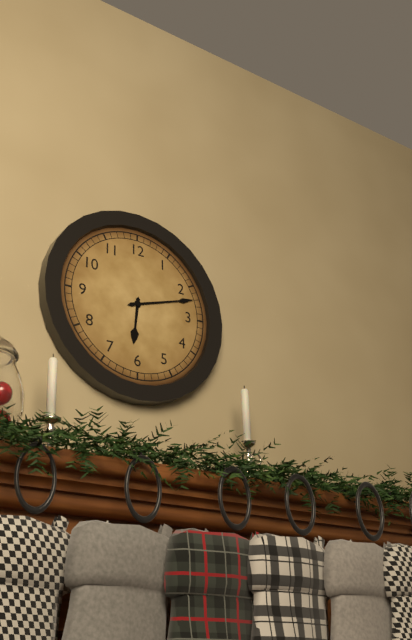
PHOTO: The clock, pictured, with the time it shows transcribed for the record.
6:12
